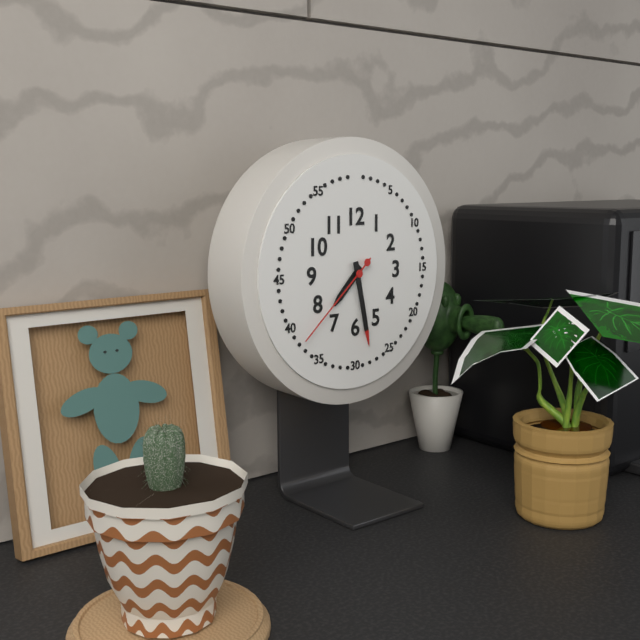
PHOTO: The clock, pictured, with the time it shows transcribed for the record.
7:28:38
